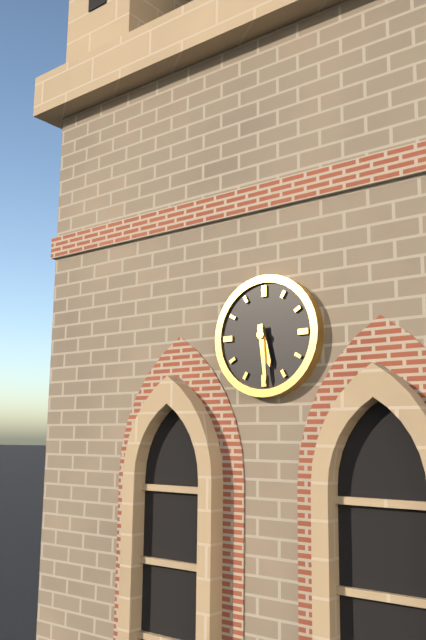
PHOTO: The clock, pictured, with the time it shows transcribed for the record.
5:29
